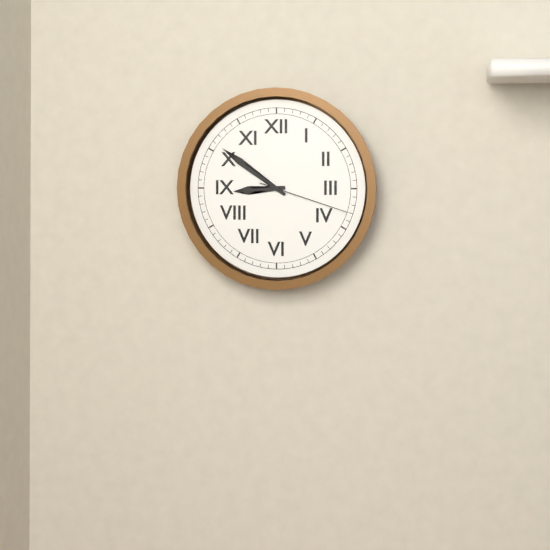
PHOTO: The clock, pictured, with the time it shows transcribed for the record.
8:51:18
